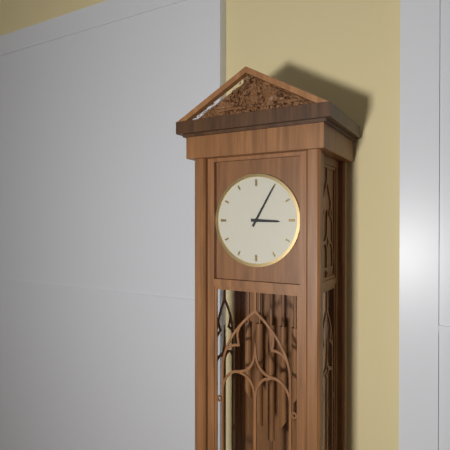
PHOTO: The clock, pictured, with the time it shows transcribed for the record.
3:05
